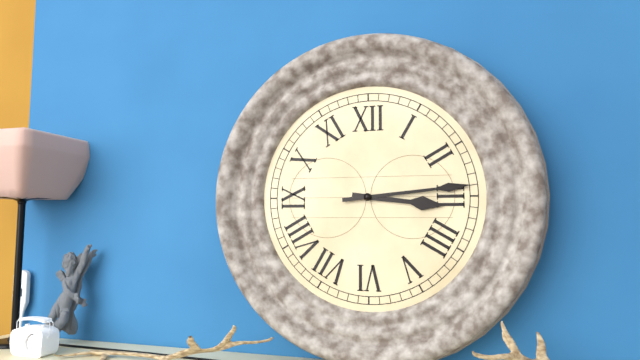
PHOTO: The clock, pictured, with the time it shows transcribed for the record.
3:14
